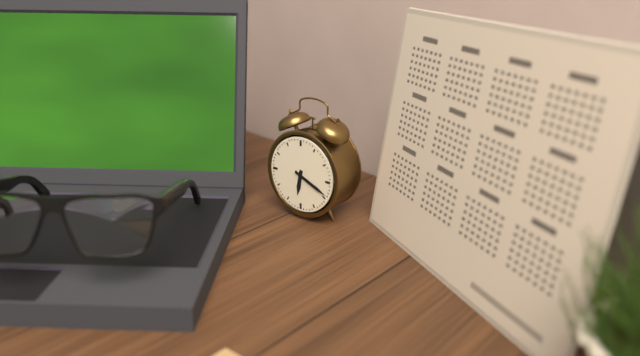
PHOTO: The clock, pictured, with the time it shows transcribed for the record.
6:19
